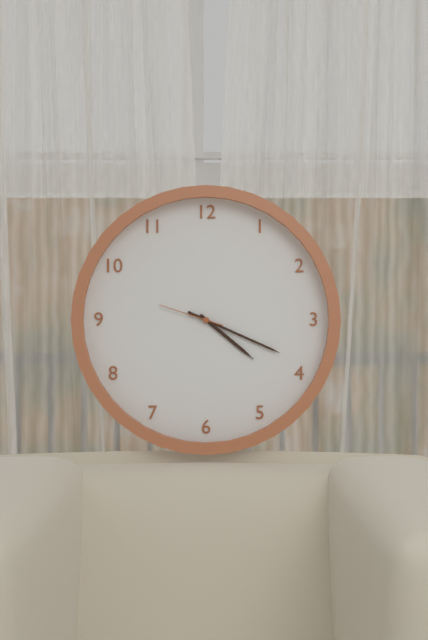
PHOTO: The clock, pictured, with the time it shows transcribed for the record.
4:19:48
